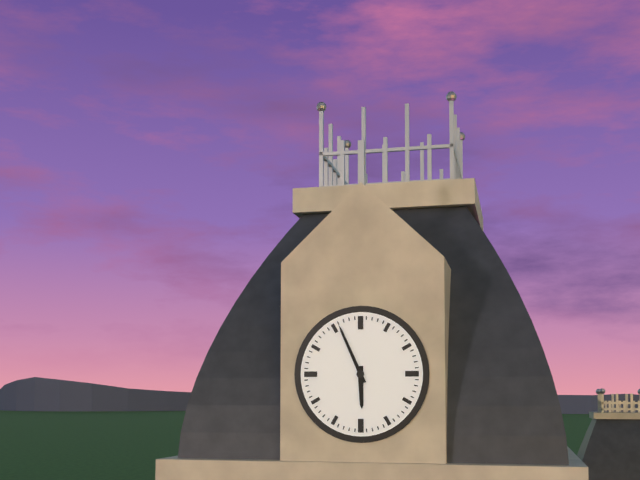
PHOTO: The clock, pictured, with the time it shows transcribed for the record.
5:56
